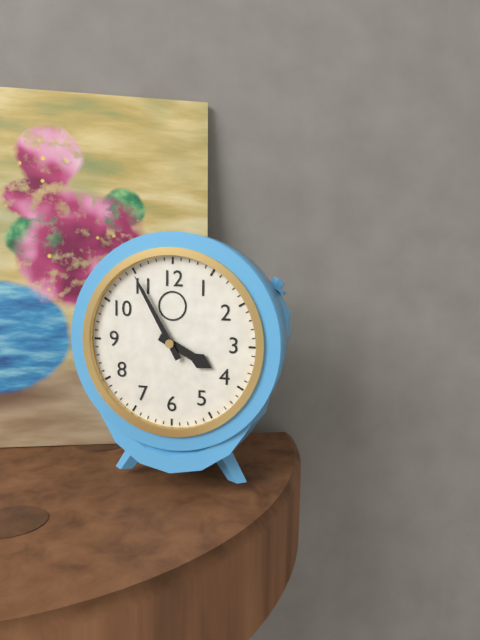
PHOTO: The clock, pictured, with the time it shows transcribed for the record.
3:55
